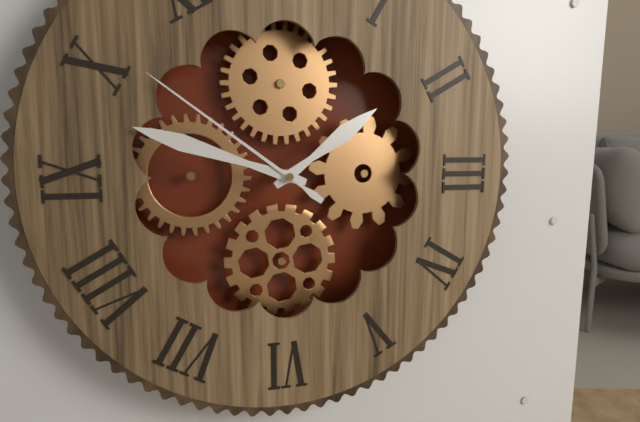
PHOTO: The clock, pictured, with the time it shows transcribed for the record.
1:48:51
